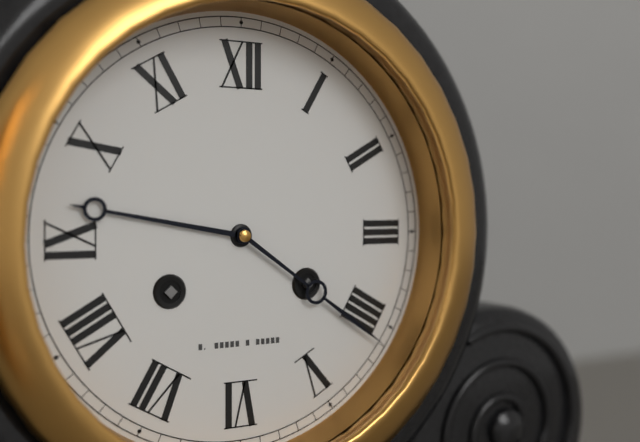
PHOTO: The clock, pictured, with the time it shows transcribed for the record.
9:21
